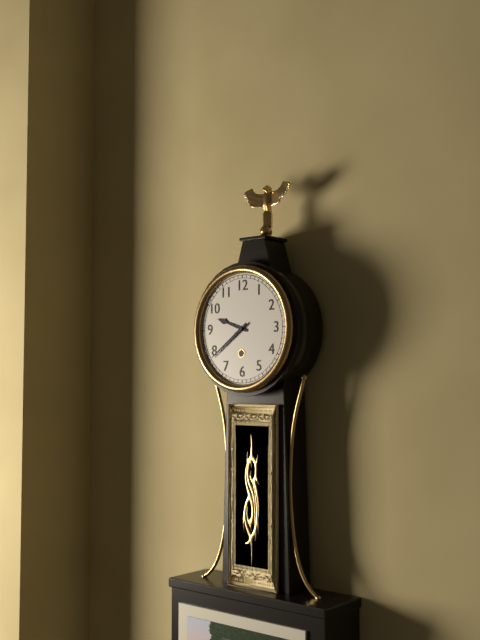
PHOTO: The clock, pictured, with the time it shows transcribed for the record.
9:39
